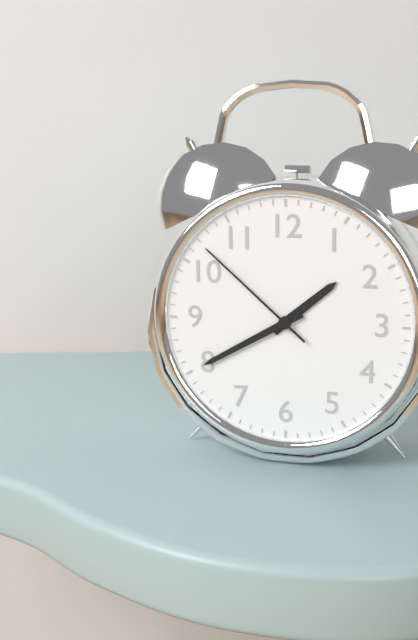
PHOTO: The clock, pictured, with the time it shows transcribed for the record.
1:40:52
